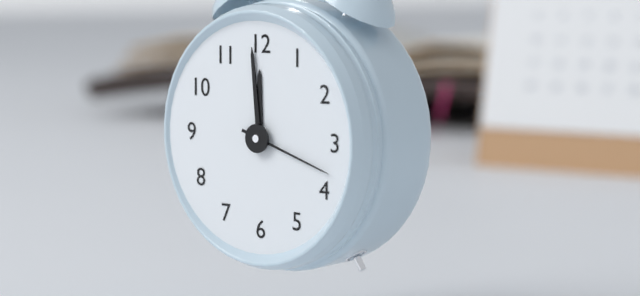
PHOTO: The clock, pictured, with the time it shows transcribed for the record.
11:59:18
